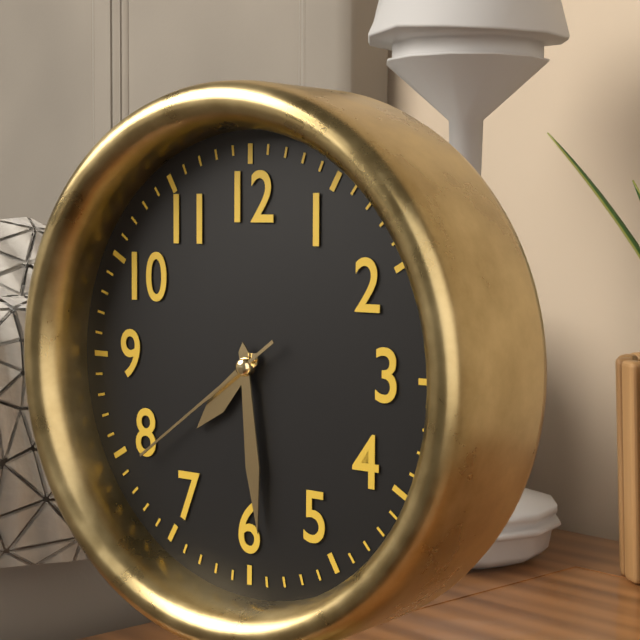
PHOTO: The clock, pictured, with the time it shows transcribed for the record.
7:29:39
